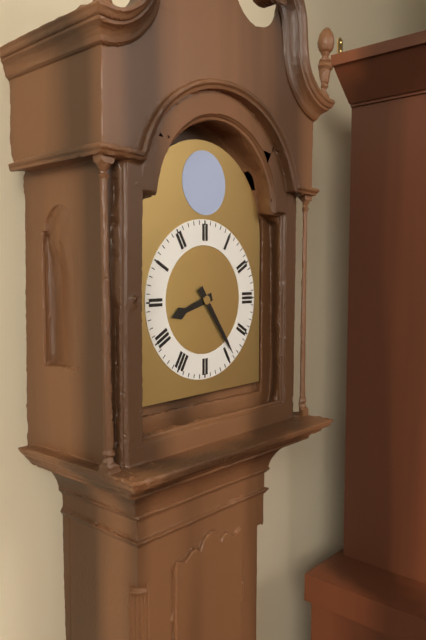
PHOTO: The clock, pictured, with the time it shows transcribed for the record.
8:24
